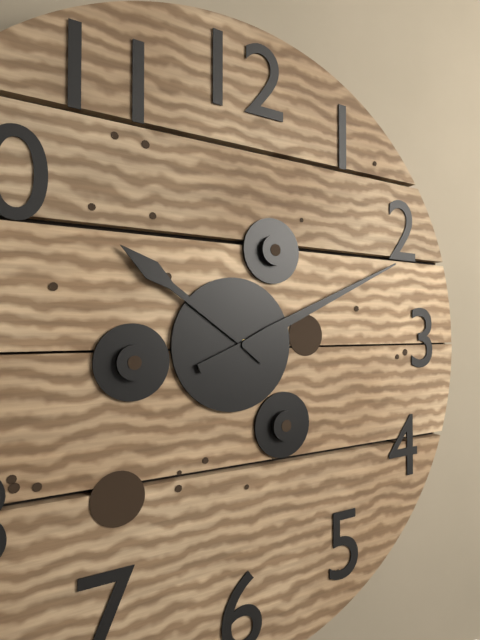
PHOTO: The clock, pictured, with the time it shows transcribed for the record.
10:11
